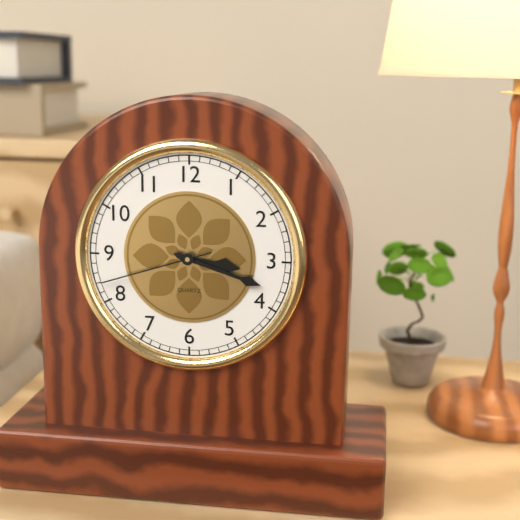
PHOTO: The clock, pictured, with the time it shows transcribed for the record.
3:18:42
